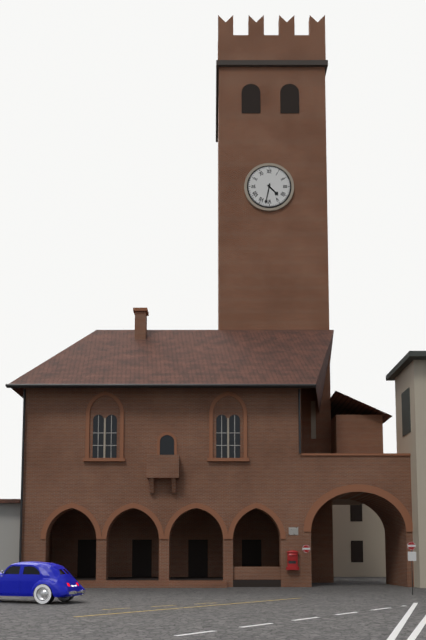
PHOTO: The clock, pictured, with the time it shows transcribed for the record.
4:32
